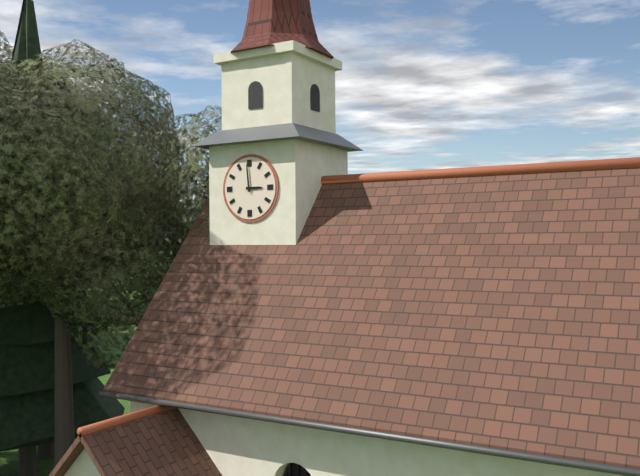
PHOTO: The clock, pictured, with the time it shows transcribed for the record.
2:59
